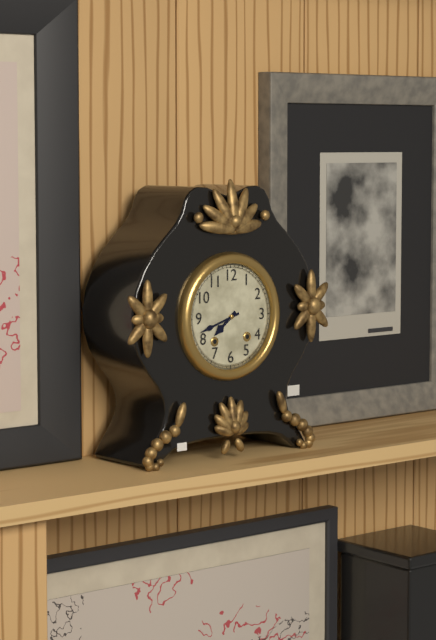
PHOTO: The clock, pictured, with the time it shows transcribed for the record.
7:42
